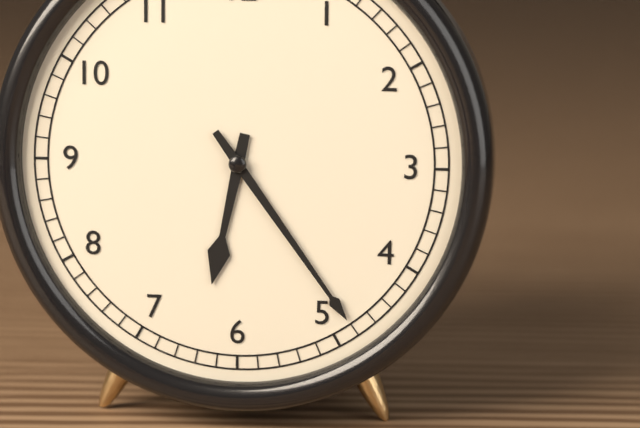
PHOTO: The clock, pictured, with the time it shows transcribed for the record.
6:24
